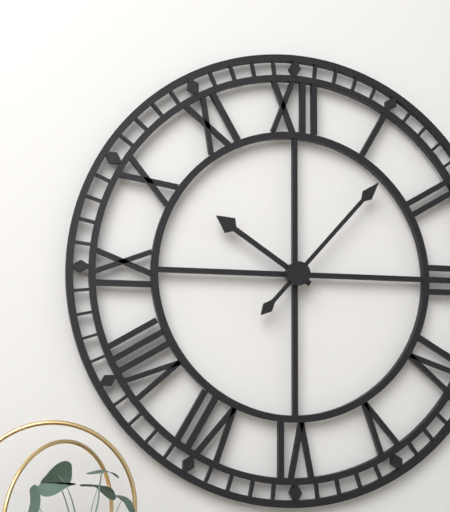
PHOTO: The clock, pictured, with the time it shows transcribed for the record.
10:07
